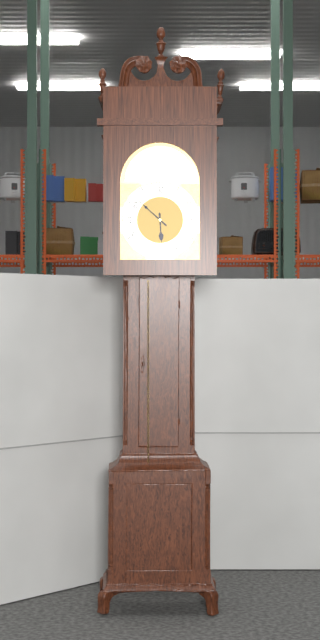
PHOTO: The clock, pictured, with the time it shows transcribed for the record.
5:52
